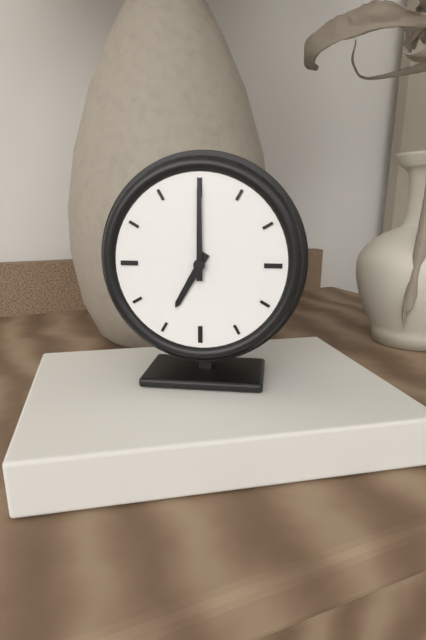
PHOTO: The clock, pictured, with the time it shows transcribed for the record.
7:00
